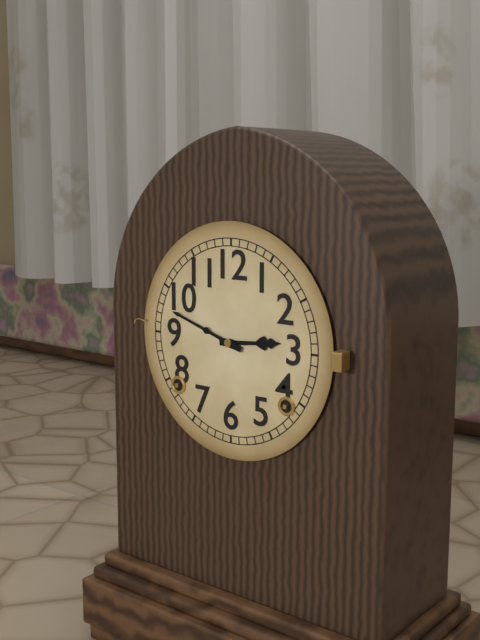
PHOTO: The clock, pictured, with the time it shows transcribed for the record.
2:48
